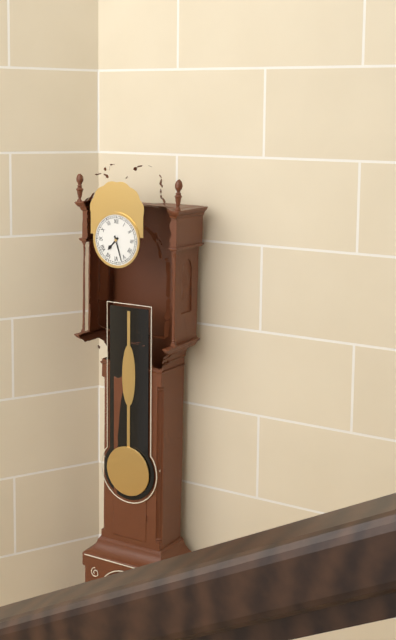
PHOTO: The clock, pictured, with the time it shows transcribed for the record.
7:27
